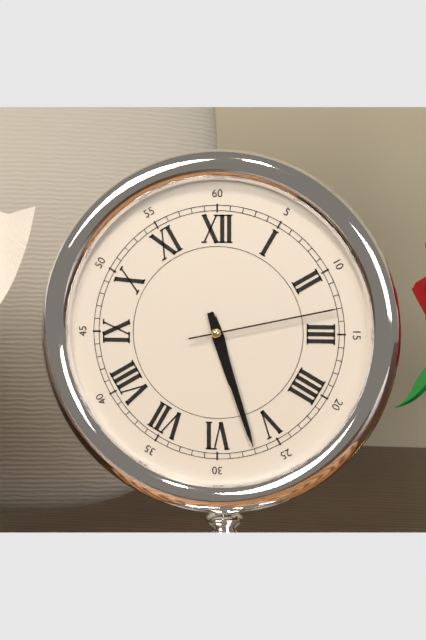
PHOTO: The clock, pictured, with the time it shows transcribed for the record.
5:27:13
